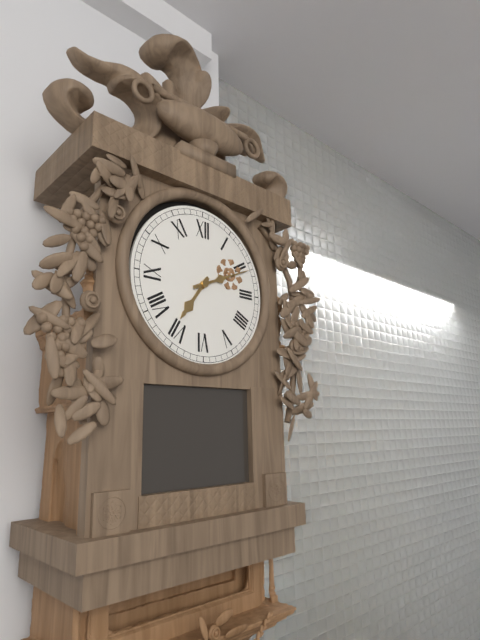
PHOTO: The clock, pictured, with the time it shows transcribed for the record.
7:11
